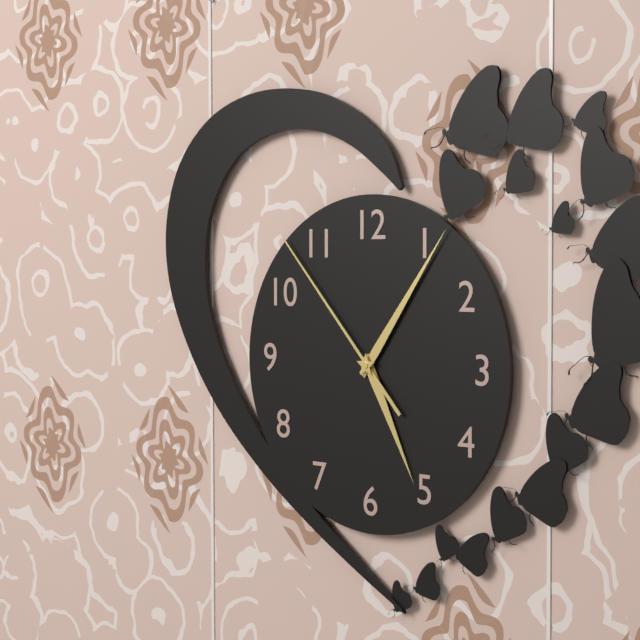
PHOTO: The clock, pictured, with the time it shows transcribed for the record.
5:06:53
